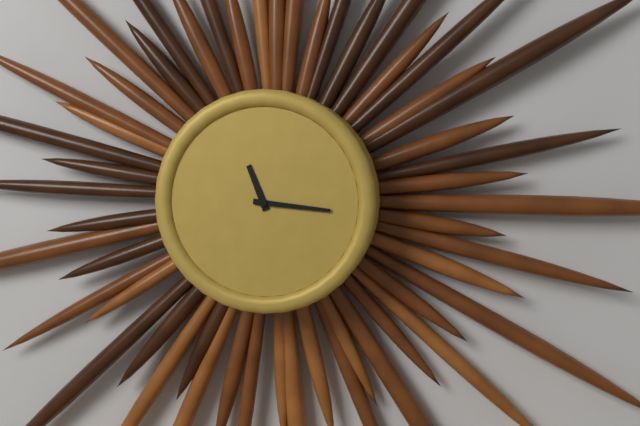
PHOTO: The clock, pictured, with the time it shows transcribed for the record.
11:16
